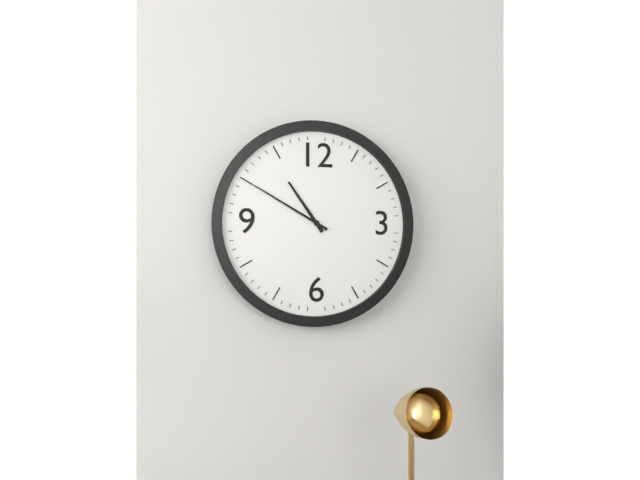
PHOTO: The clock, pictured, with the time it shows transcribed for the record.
10:50
